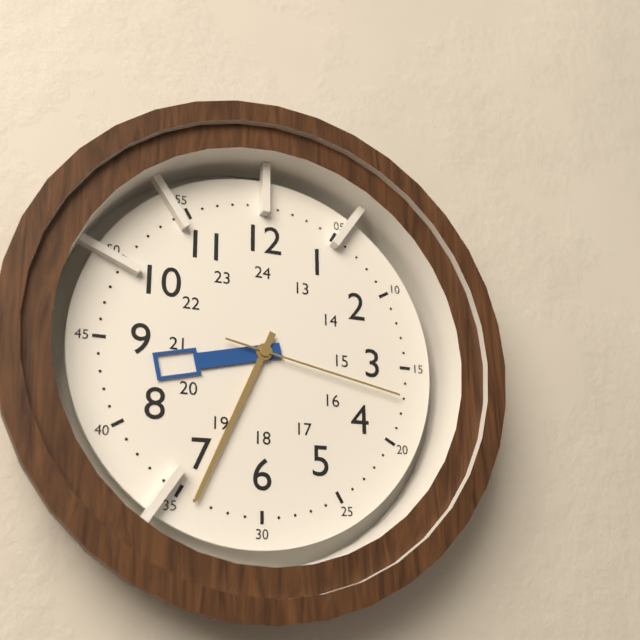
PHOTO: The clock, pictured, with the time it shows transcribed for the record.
8:34:17
